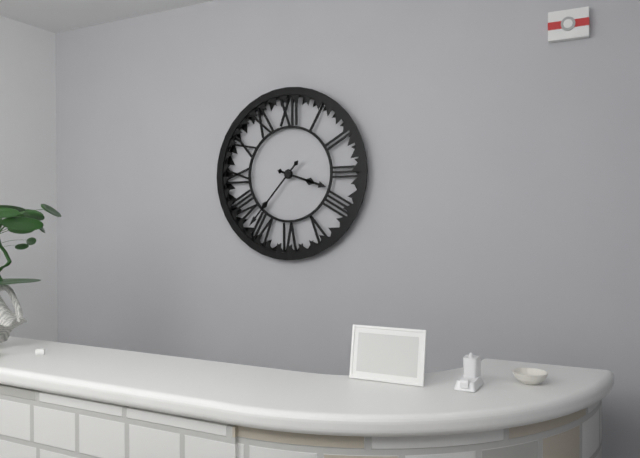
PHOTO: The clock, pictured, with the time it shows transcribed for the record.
3:37
